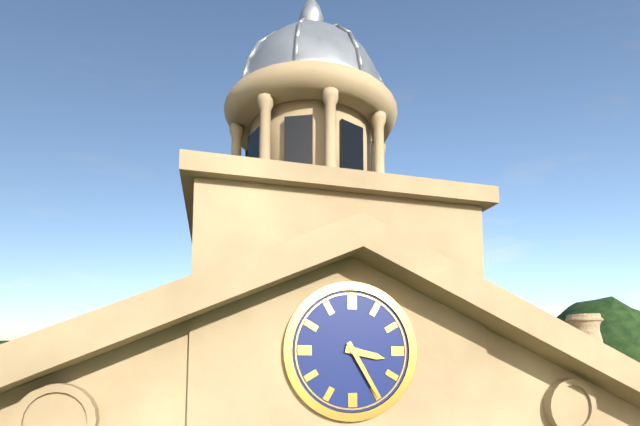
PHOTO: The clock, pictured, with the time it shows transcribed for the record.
3:25
